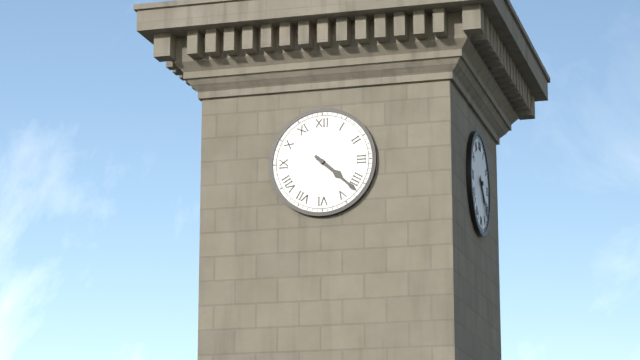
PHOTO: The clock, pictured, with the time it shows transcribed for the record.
4:22
